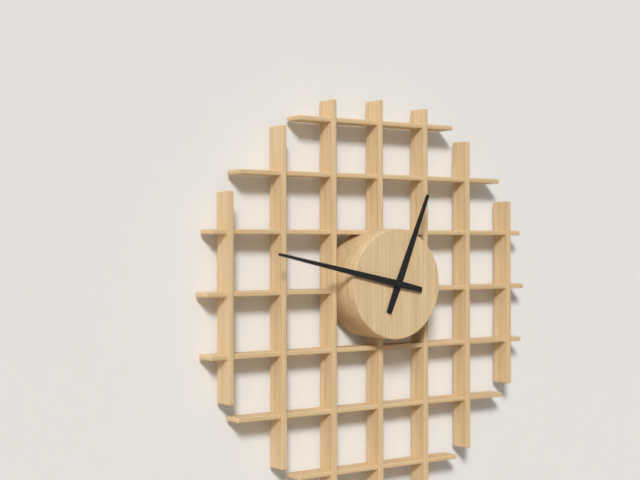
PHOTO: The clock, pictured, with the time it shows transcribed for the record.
12:47
